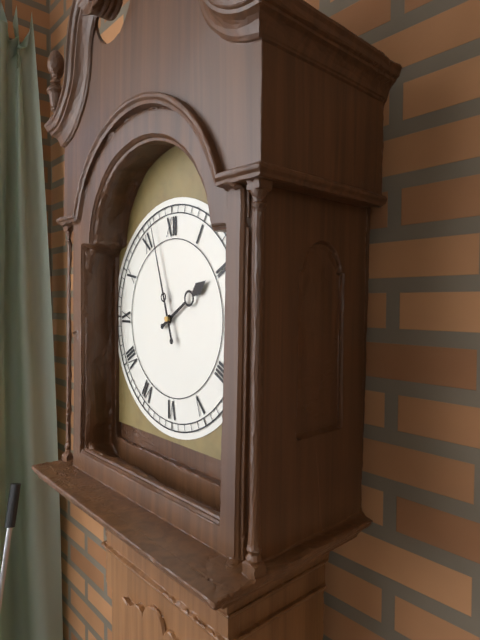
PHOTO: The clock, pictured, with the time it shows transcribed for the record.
1:57
